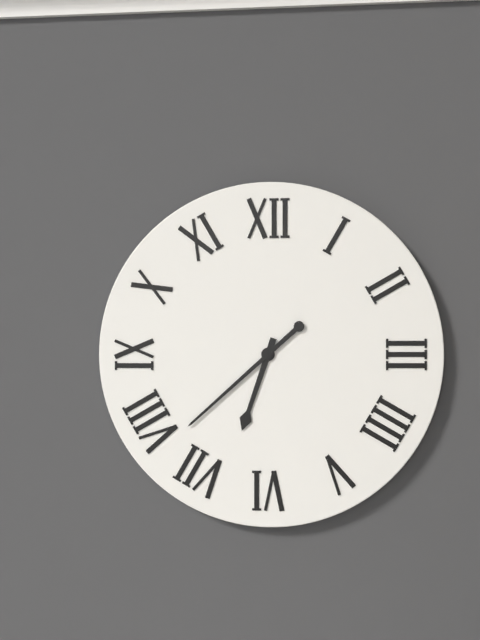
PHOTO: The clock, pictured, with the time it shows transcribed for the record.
6:38
